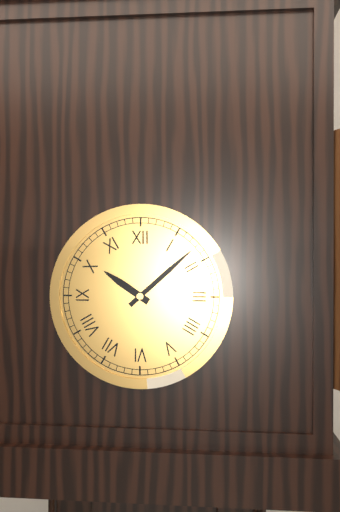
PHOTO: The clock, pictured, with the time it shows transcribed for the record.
10:08
